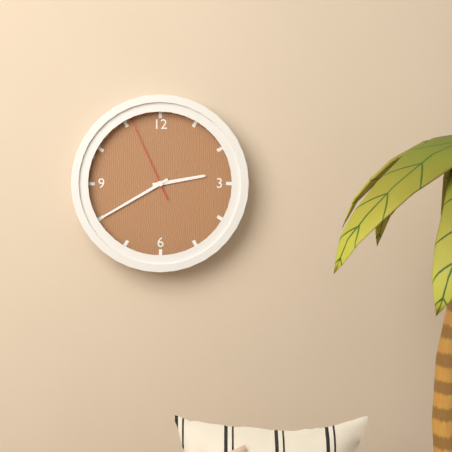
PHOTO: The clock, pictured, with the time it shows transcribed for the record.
2:40:56
